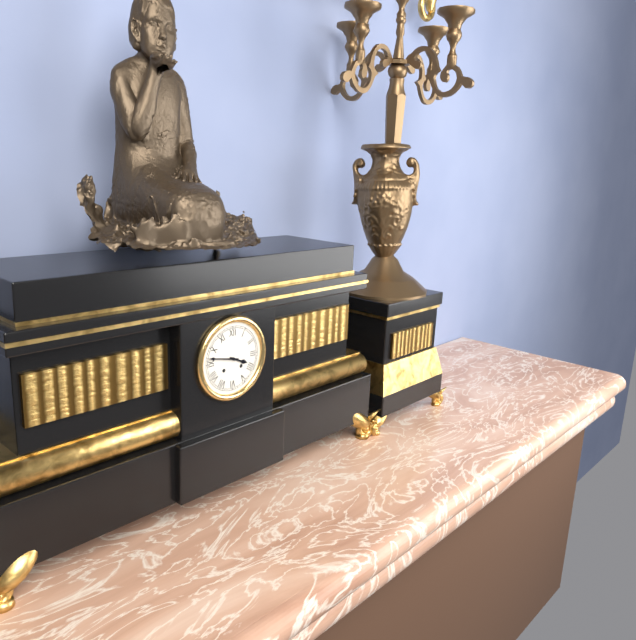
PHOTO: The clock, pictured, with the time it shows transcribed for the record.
3:47
